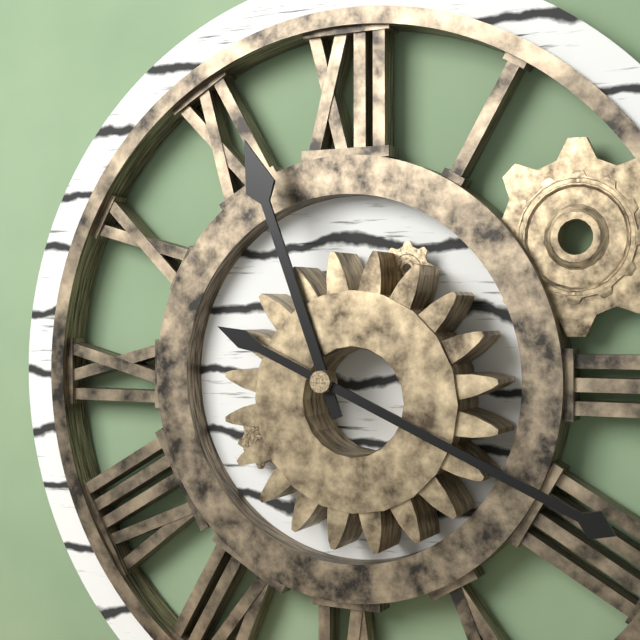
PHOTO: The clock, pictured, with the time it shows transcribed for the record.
11:19
